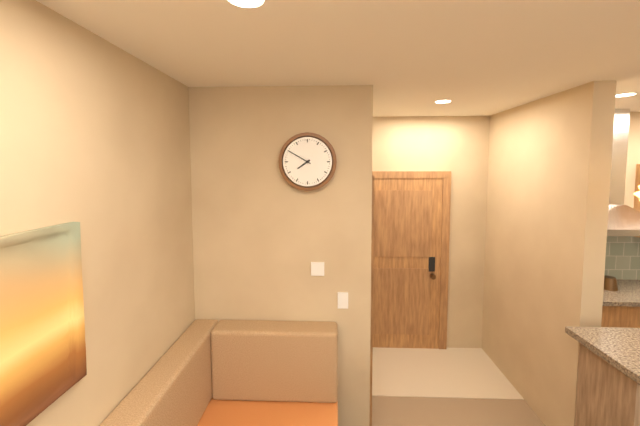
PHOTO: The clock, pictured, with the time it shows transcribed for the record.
7:50
